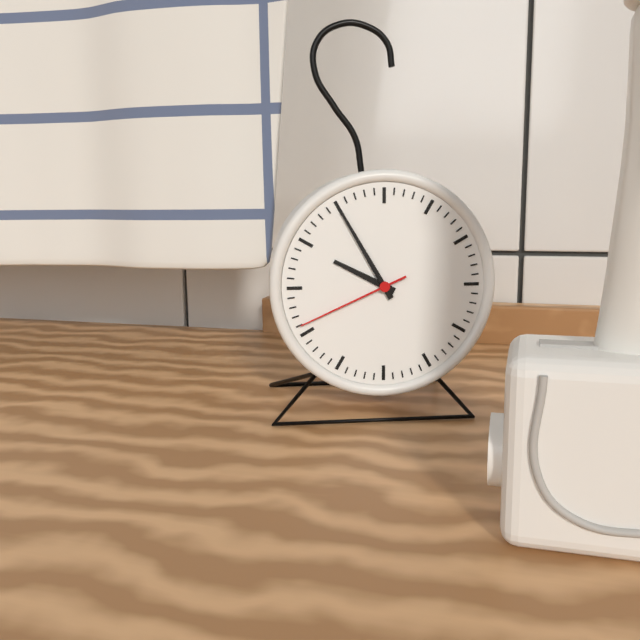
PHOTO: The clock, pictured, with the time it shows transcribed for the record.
9:55:41
